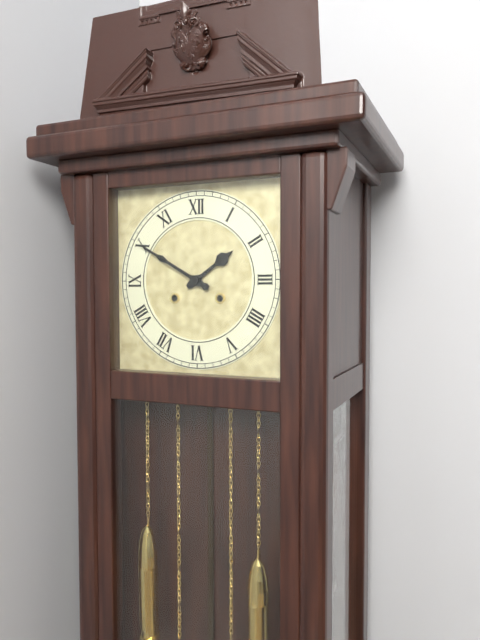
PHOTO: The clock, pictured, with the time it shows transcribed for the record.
1:50
